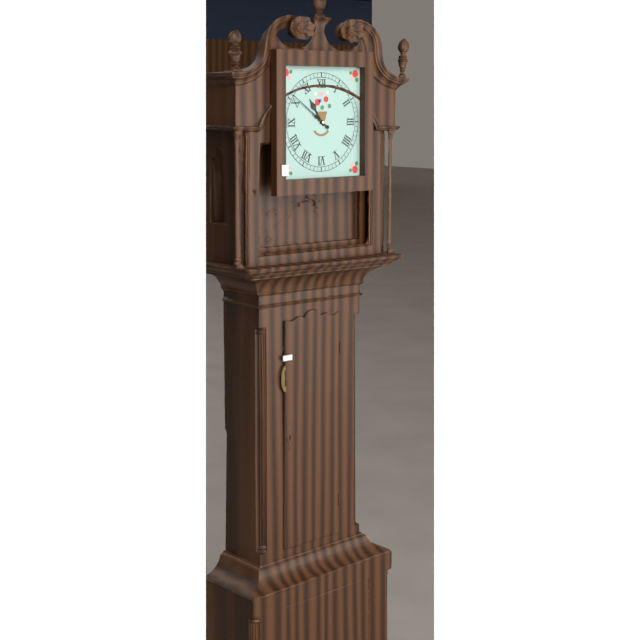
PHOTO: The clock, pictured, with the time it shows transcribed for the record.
10:51
